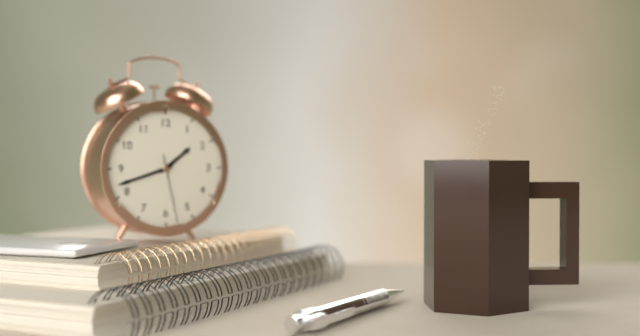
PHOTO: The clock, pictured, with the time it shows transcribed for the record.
1:42:28
